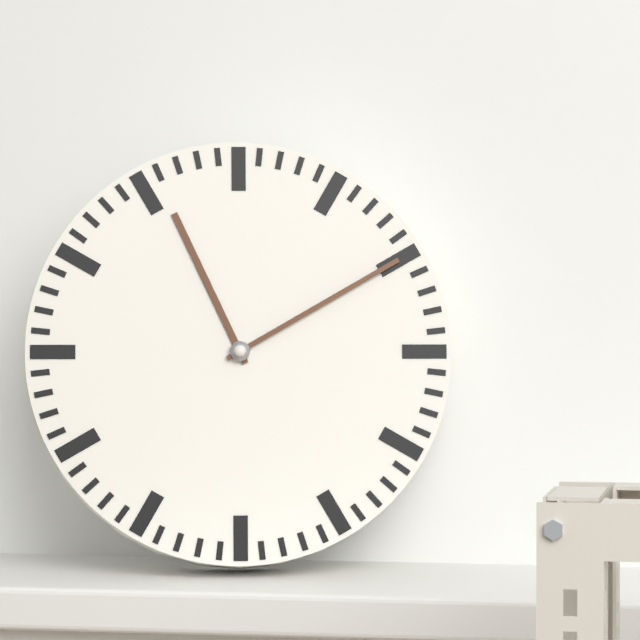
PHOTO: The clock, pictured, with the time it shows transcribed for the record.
11:10
